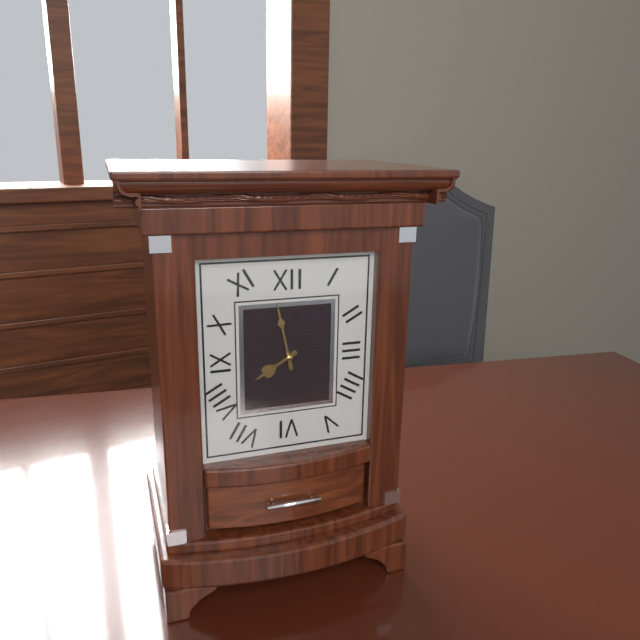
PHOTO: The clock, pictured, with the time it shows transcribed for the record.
7:58
